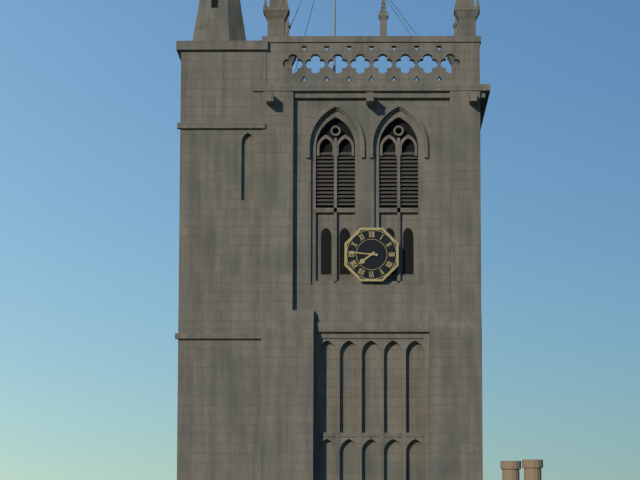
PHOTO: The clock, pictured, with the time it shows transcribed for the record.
7:46
